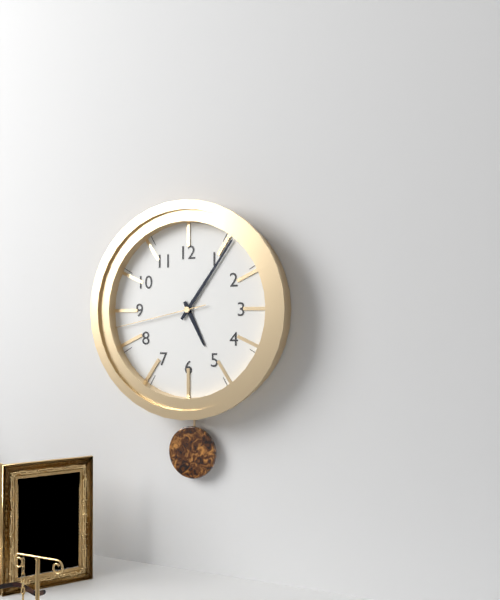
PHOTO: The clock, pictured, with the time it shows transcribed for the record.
5:06:43
